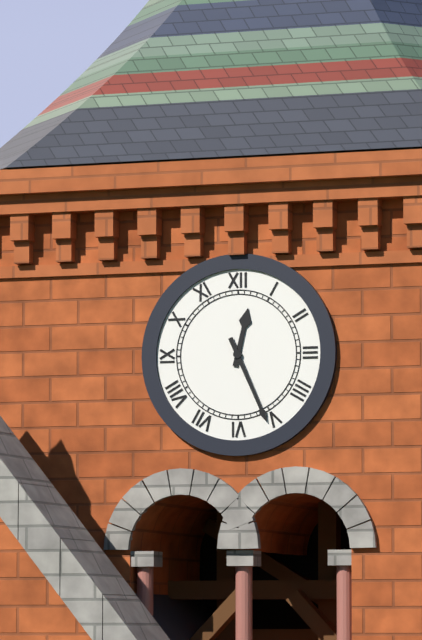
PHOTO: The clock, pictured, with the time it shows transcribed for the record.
12:26
